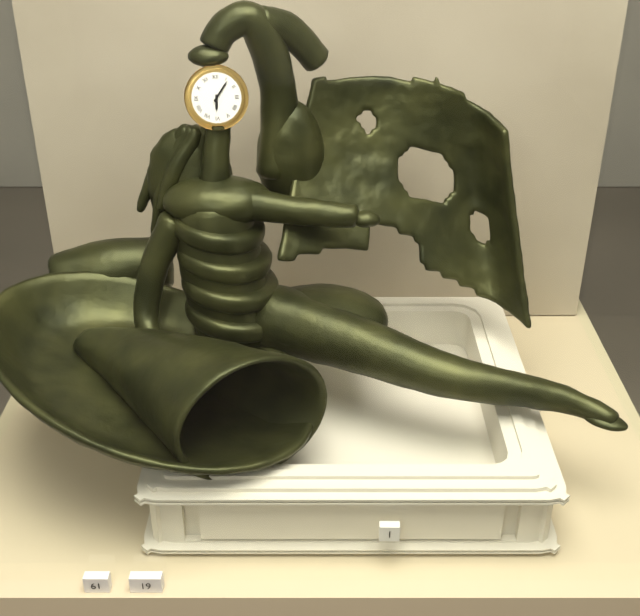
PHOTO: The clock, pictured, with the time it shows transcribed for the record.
6:06
